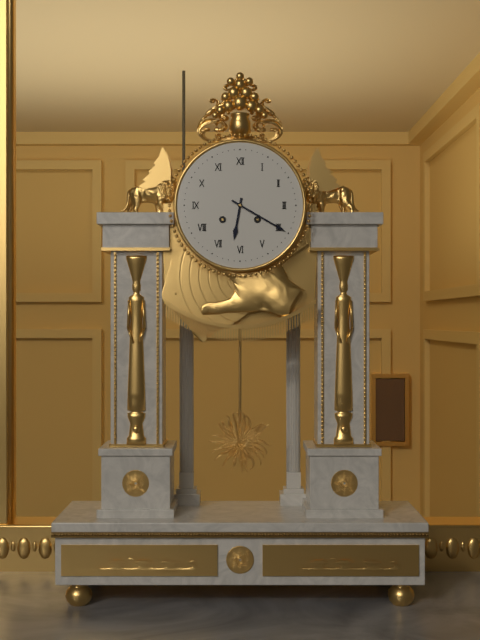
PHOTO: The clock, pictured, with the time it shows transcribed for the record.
6:20
